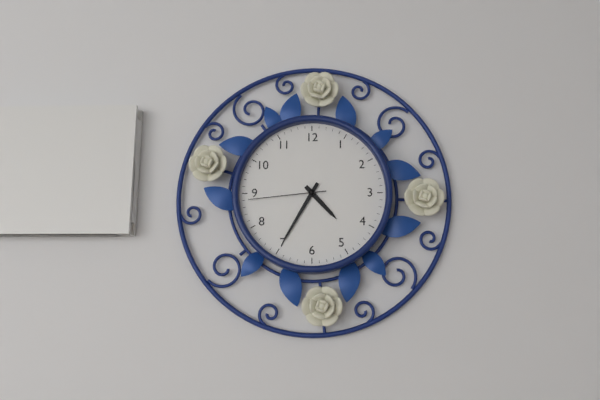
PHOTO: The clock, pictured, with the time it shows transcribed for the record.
4:35:44
